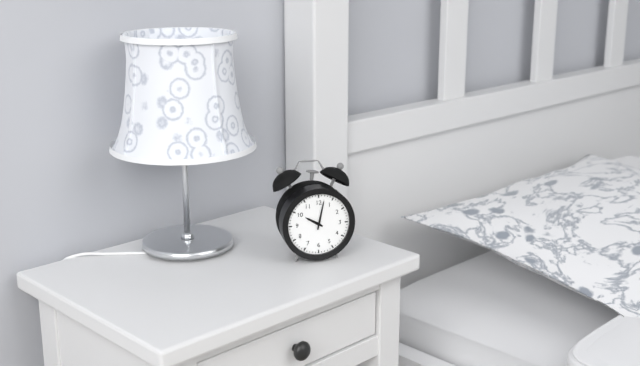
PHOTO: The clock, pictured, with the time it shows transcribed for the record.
10:02
